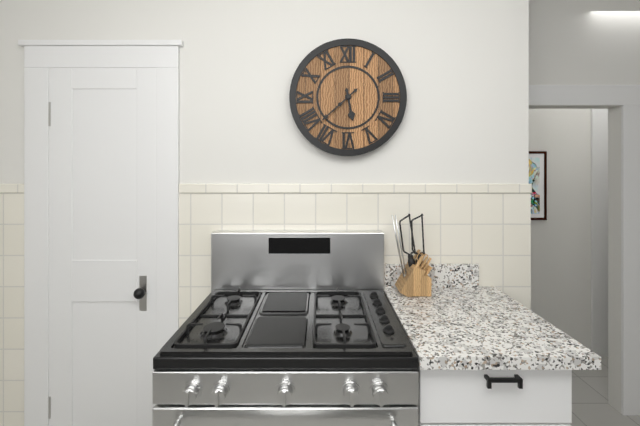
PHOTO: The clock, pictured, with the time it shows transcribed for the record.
5:38
